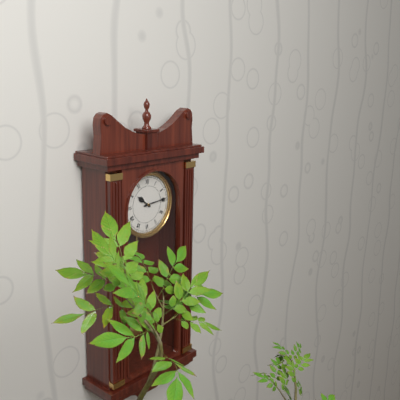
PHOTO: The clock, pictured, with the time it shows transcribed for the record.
10:14
